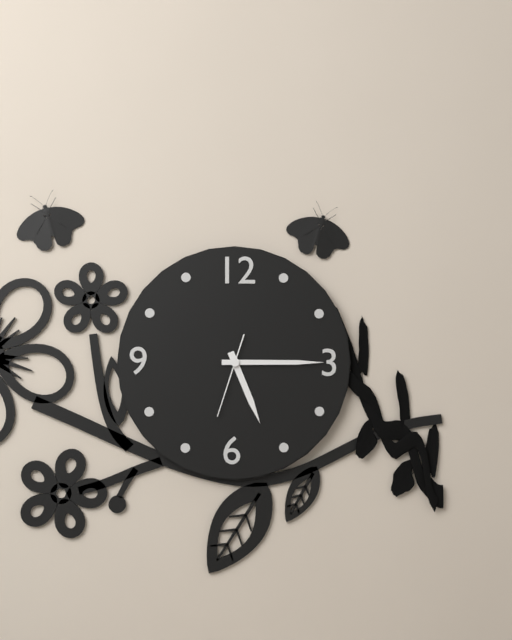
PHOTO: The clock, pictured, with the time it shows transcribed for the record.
5:15:33
